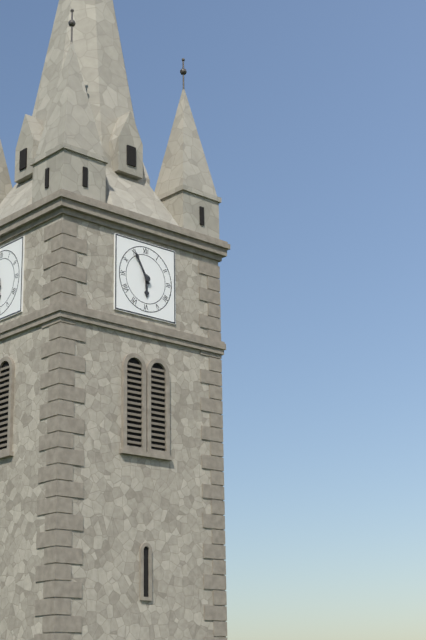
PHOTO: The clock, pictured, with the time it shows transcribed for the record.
5:55
